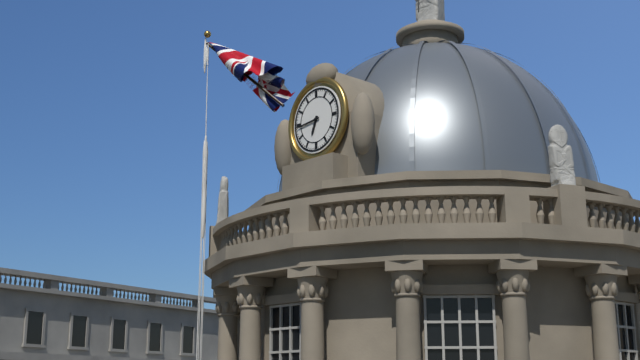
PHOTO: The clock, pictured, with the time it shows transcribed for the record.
6:44
